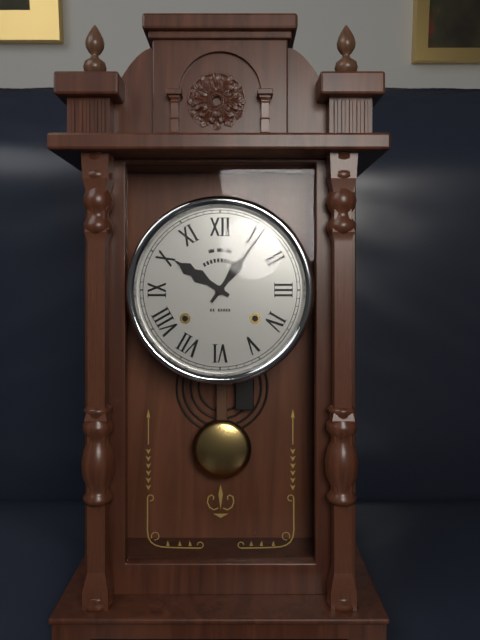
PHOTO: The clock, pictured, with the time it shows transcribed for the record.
10:06
